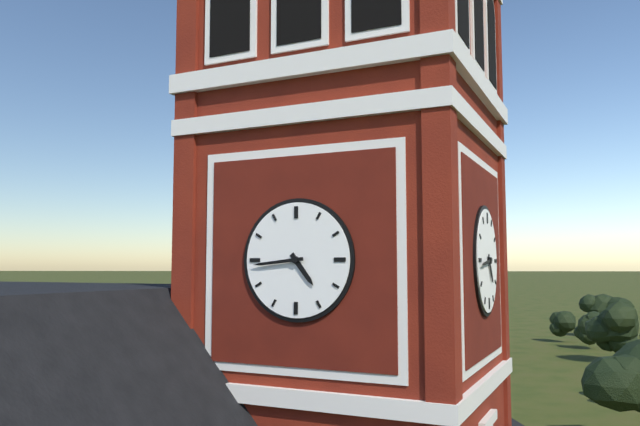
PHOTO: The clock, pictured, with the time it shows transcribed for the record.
4:44
